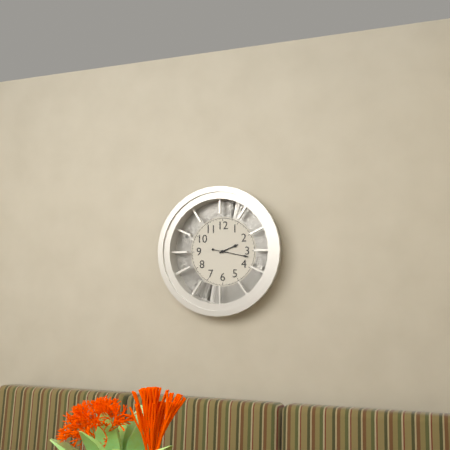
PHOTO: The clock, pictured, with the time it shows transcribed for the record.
2:17
